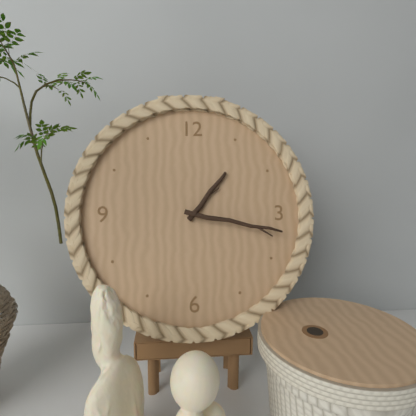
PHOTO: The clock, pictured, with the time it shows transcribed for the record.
1:17
